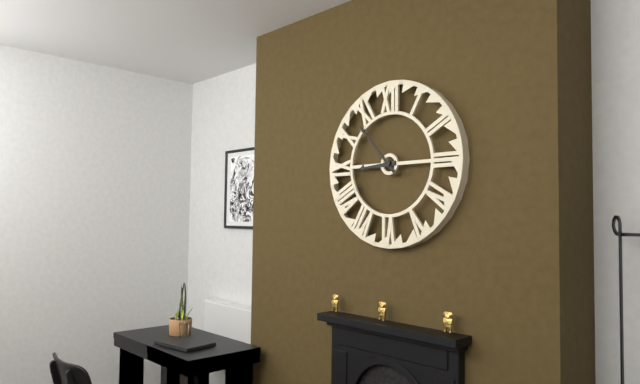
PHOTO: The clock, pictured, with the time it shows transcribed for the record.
8:53
